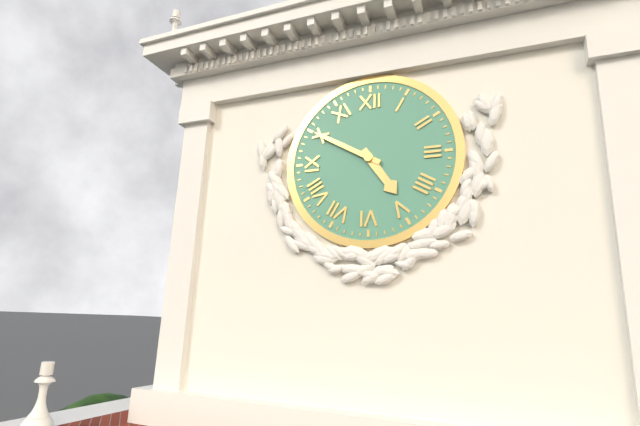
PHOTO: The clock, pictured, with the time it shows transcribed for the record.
4:50
